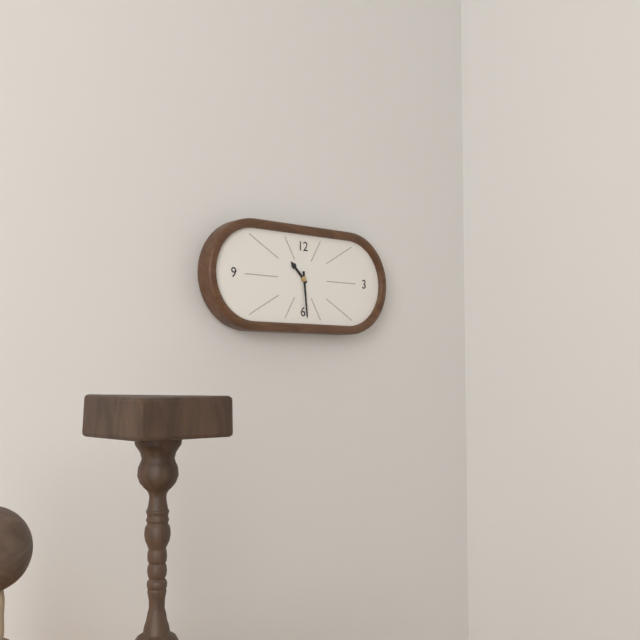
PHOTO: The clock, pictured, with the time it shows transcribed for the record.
10:29
